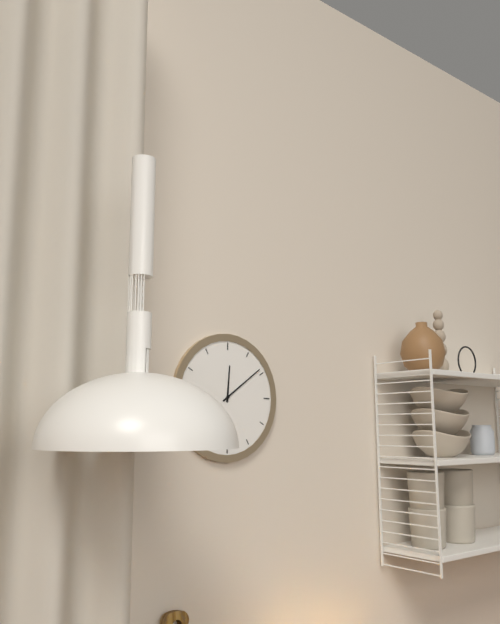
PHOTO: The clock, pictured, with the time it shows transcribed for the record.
12:09
